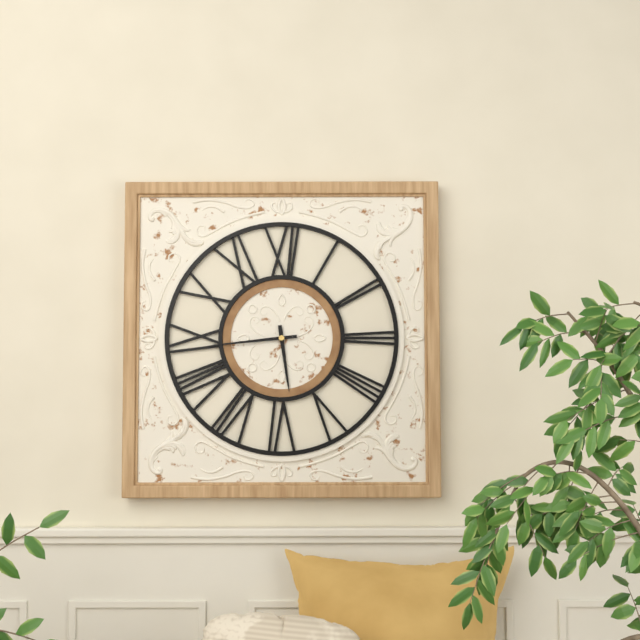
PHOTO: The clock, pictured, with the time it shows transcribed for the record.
5:44
